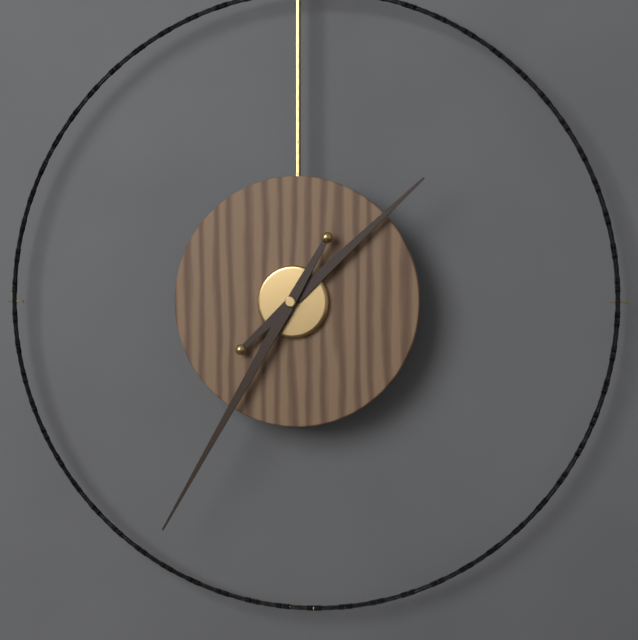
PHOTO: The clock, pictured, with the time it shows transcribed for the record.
1:35
